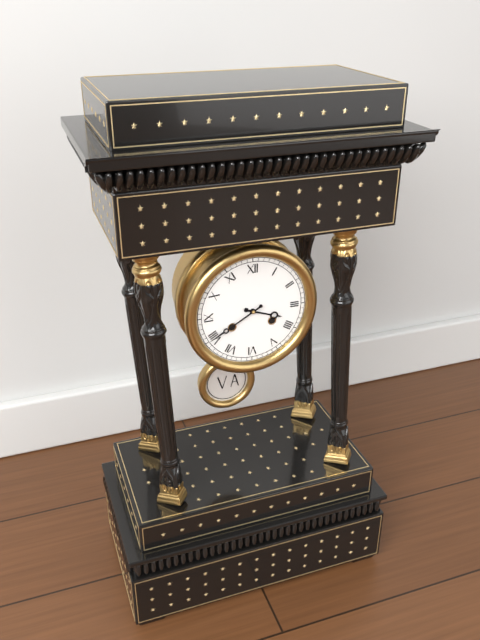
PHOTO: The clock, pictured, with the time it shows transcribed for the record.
3:40
